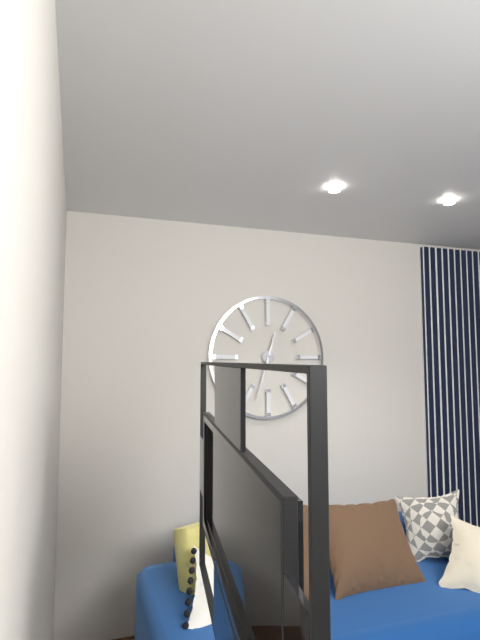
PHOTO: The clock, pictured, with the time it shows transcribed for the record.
12:33
